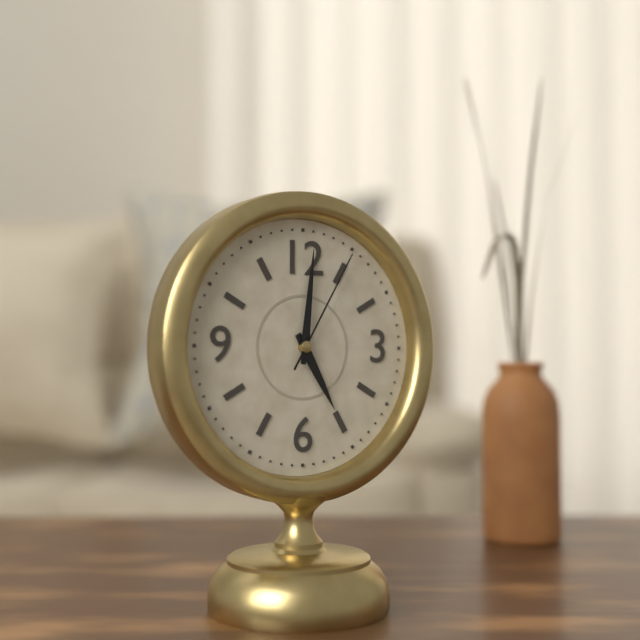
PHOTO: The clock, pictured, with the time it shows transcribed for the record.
5:01:05
